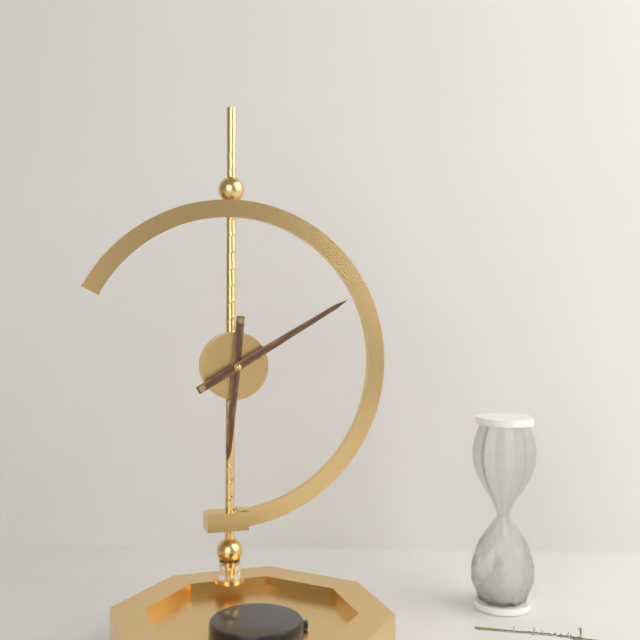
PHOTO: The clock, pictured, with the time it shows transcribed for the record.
6:10
